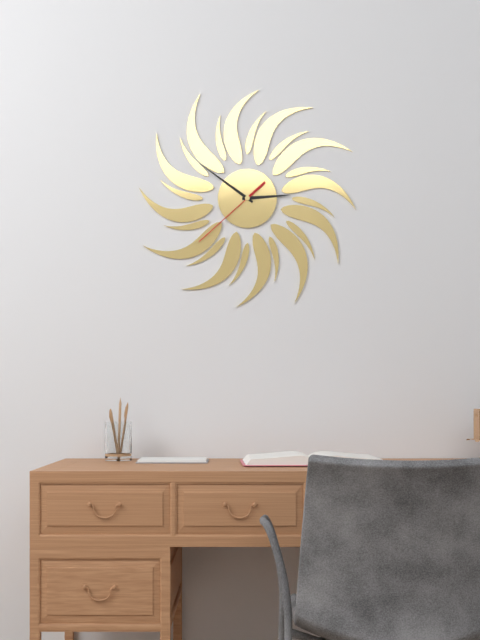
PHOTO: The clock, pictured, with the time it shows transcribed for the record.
2:51:38
